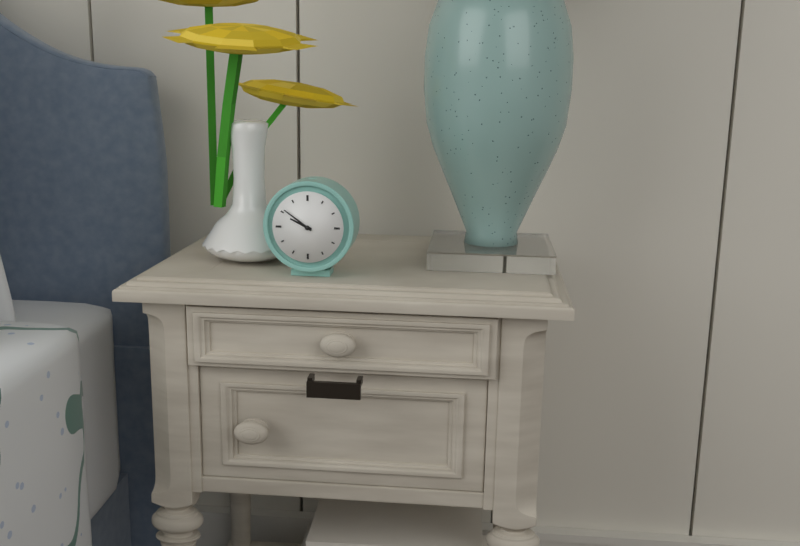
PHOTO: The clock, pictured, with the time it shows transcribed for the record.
9:51
